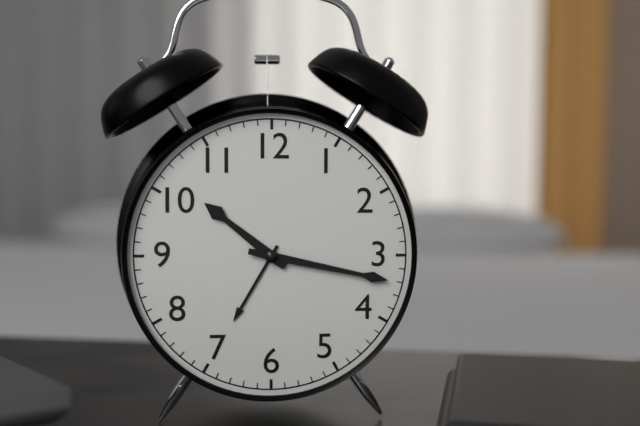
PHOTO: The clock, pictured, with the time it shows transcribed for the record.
10:17
